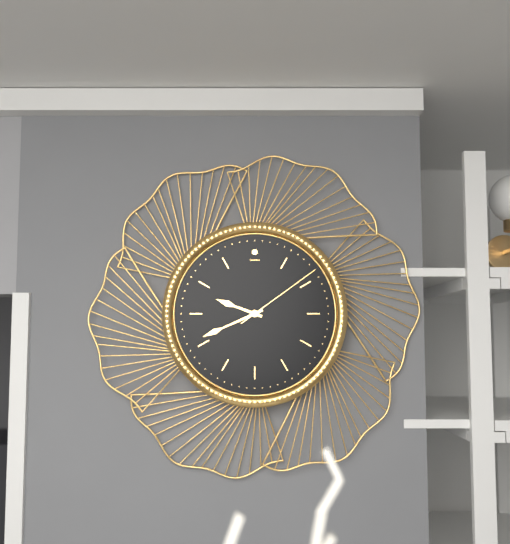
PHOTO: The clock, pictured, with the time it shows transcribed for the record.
9:41:09
